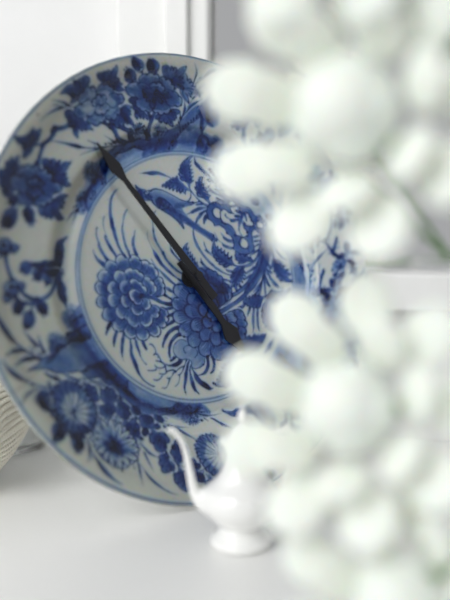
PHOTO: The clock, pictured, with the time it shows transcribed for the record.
4:54
